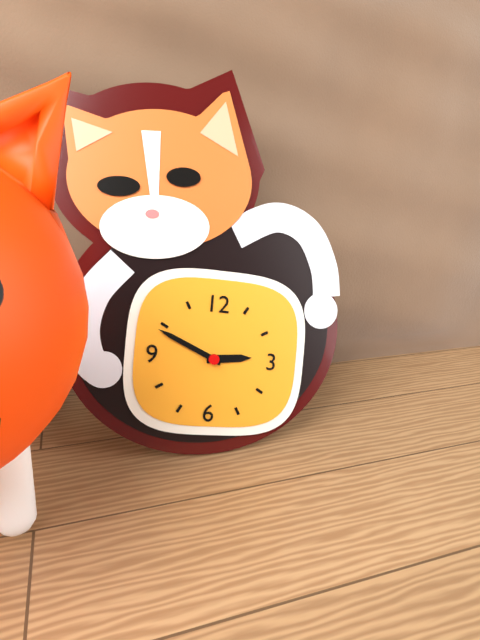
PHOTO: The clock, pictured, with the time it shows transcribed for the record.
2:49
